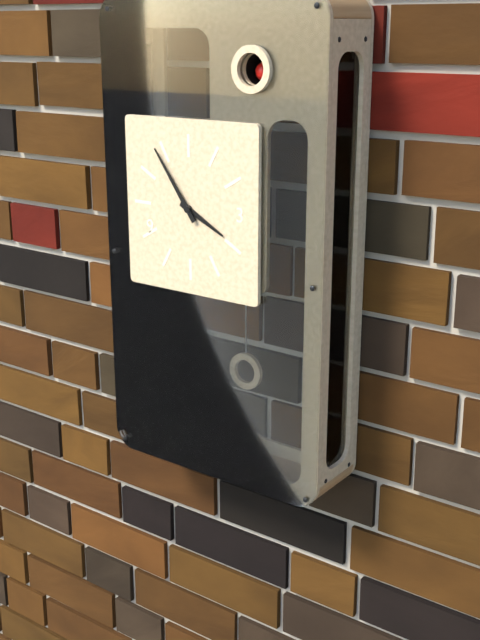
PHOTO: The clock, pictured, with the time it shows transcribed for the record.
3:54
